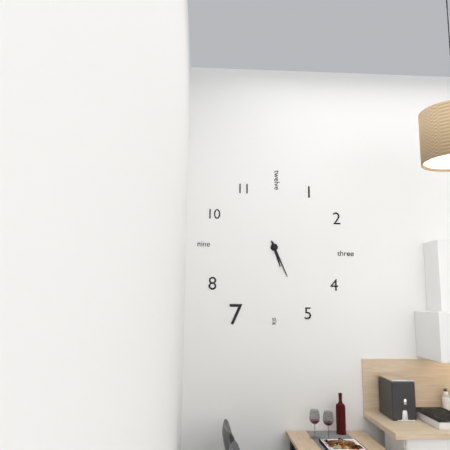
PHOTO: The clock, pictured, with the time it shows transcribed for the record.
5:26
